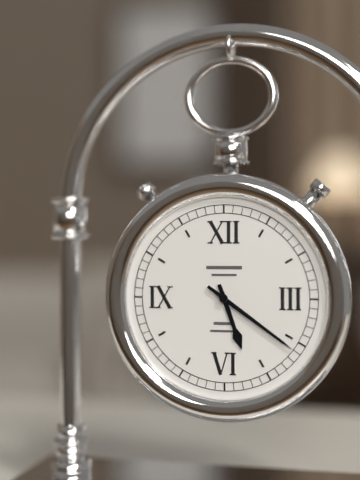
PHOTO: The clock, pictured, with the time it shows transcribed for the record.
5:21
